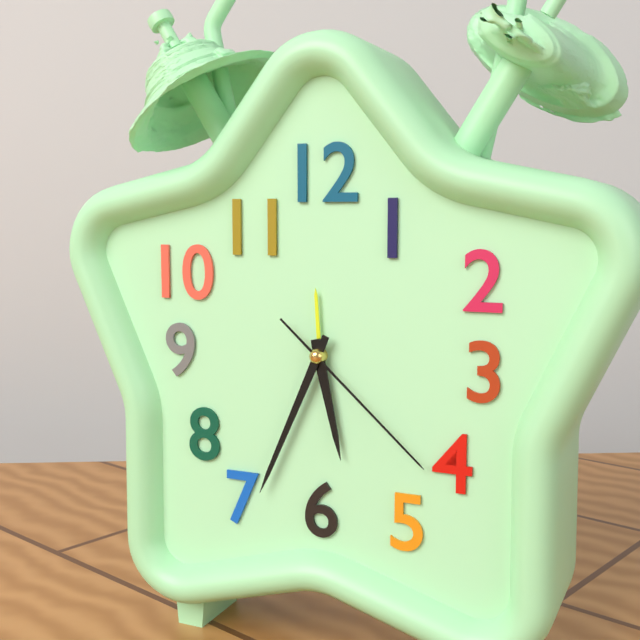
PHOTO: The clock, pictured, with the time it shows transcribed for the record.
5:34:22
